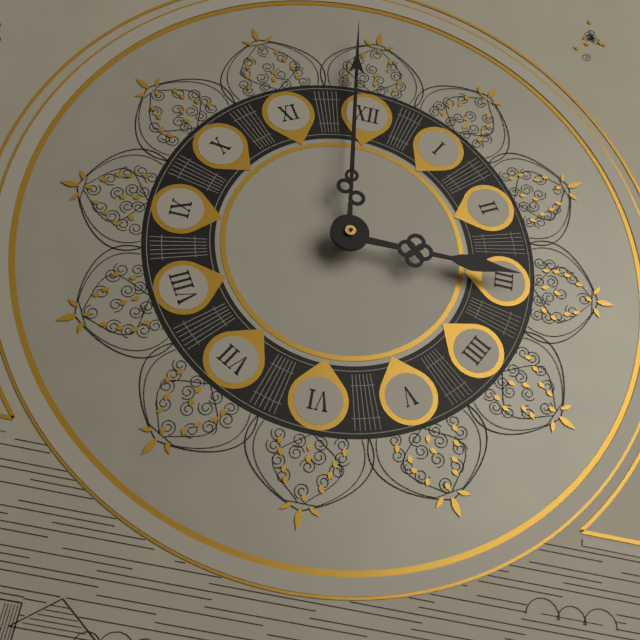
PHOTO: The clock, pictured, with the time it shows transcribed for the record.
2:59
